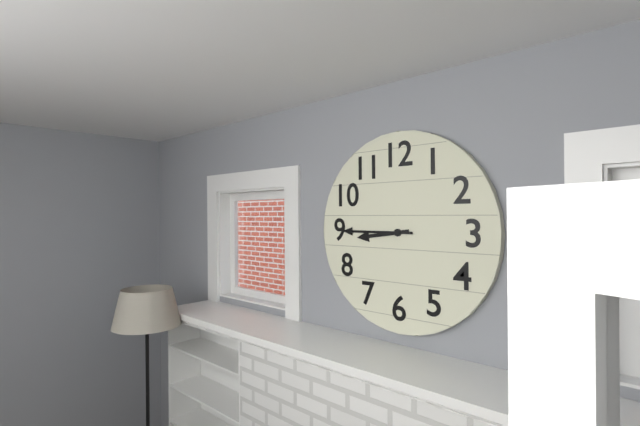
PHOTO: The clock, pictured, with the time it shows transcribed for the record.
8:45
